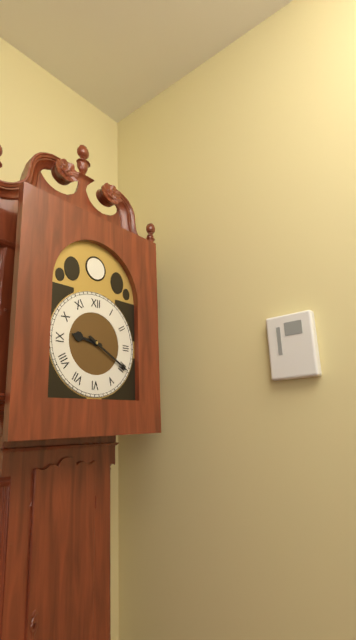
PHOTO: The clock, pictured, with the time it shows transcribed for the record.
9:20
